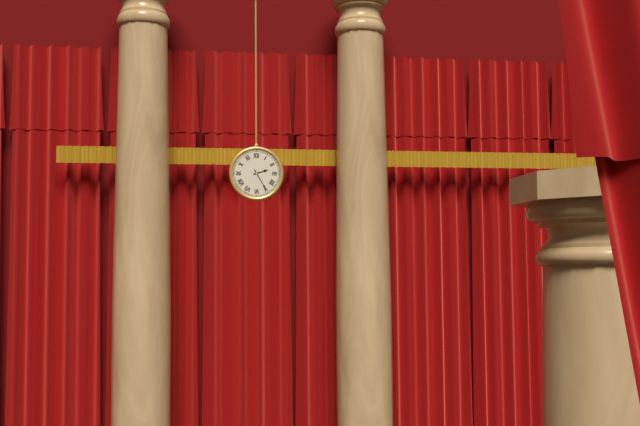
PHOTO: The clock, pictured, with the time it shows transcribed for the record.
2:25
